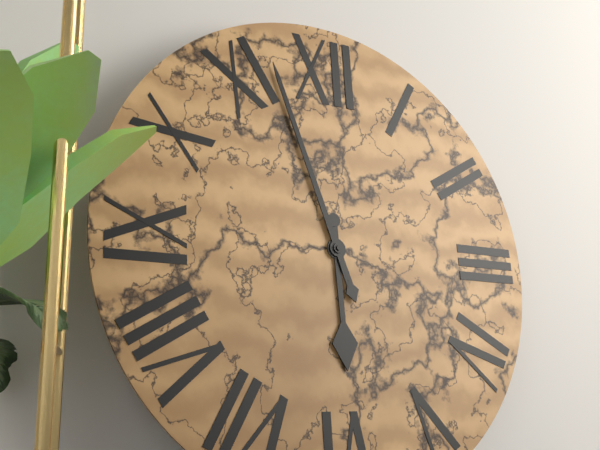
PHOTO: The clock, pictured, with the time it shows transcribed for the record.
5:57
